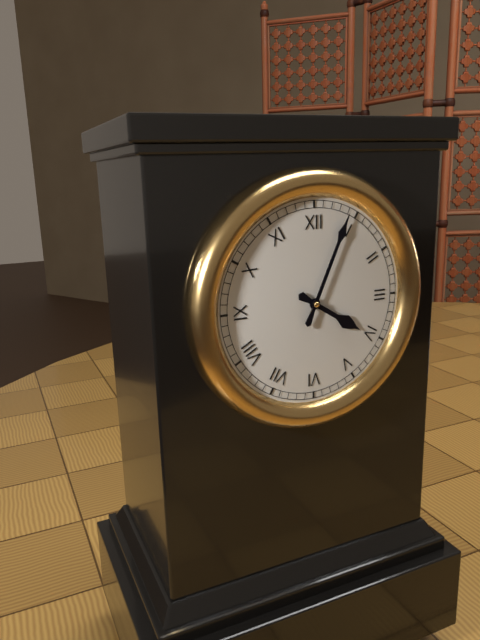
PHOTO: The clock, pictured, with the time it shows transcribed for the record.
4:04
